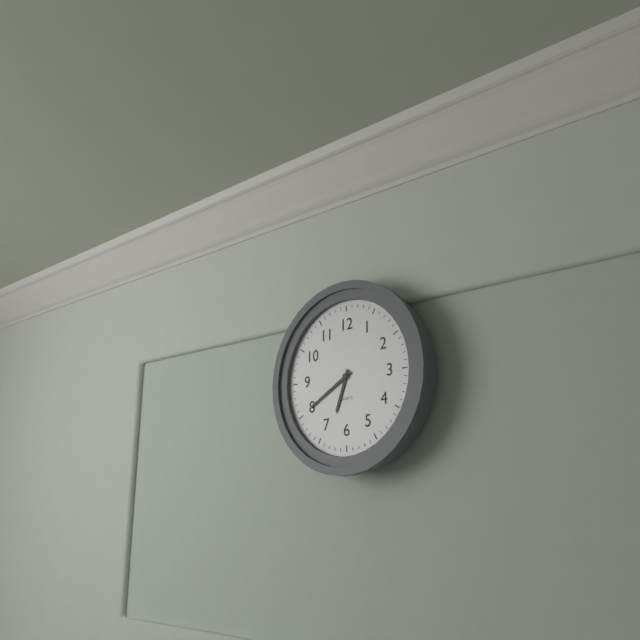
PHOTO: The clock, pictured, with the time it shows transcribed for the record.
6:40
